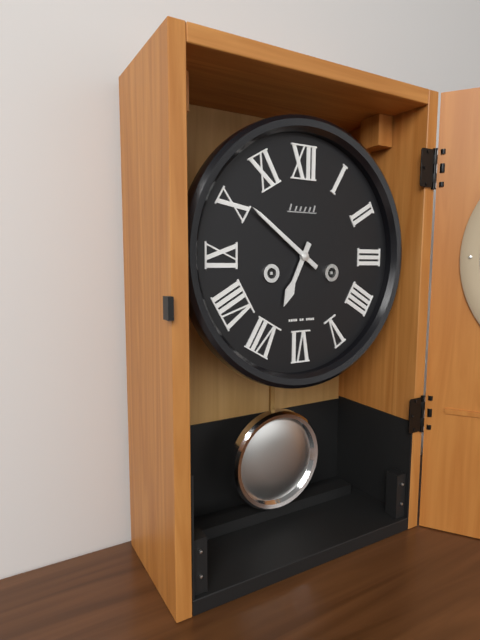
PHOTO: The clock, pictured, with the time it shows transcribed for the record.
6:51
